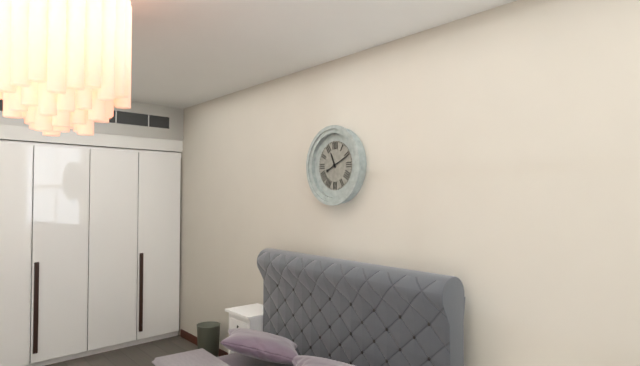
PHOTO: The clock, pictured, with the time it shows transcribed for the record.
11:11
